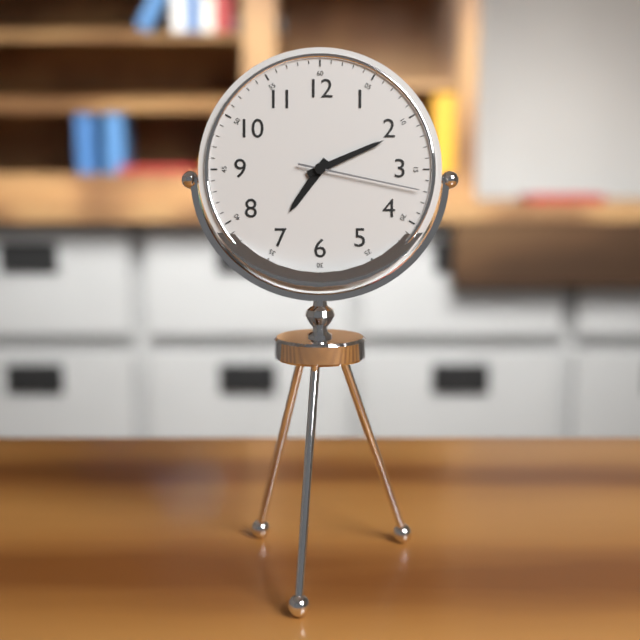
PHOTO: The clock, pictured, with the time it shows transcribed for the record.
7:11:17
